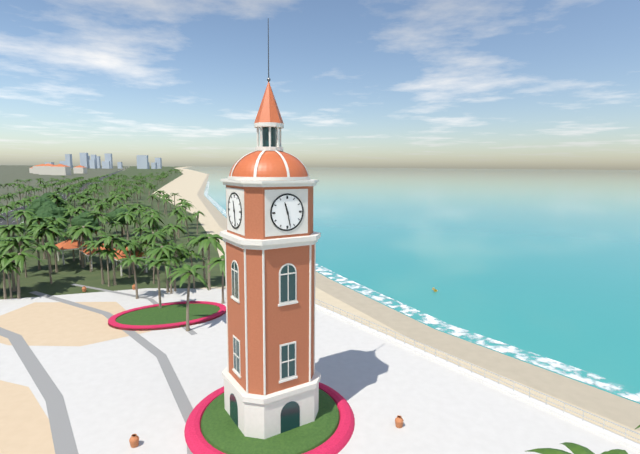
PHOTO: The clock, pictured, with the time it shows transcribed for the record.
11:28
